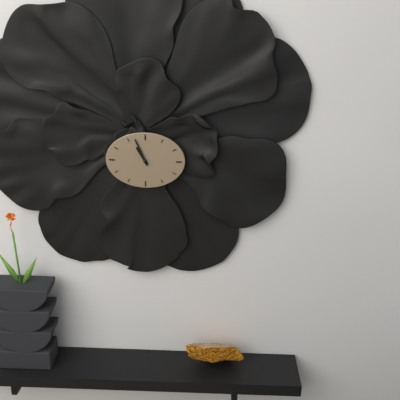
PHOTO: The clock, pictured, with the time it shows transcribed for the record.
10:56
